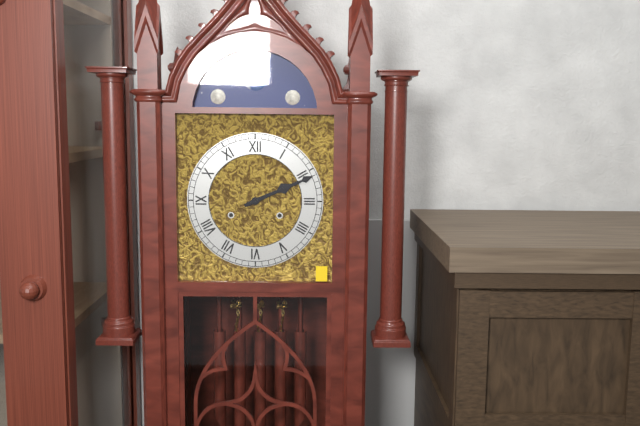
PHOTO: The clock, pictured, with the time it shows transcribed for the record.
2:11
